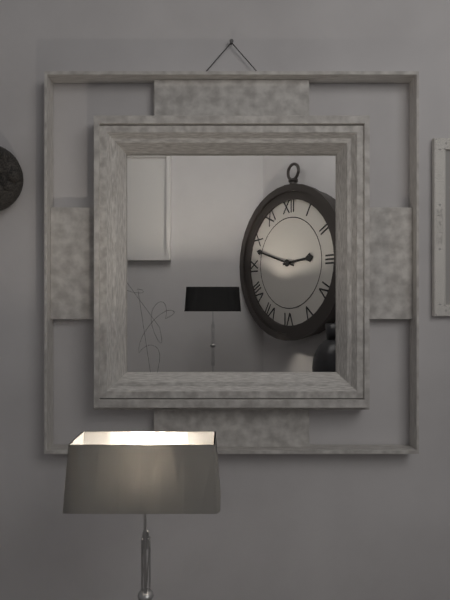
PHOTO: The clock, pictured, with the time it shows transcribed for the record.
2:48
